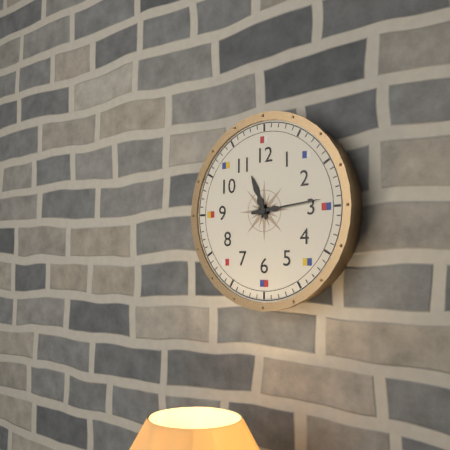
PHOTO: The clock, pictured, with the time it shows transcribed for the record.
11:14
